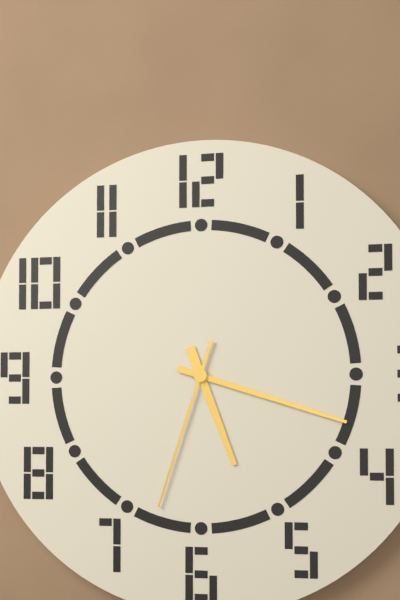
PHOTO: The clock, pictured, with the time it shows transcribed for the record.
5:18:33
